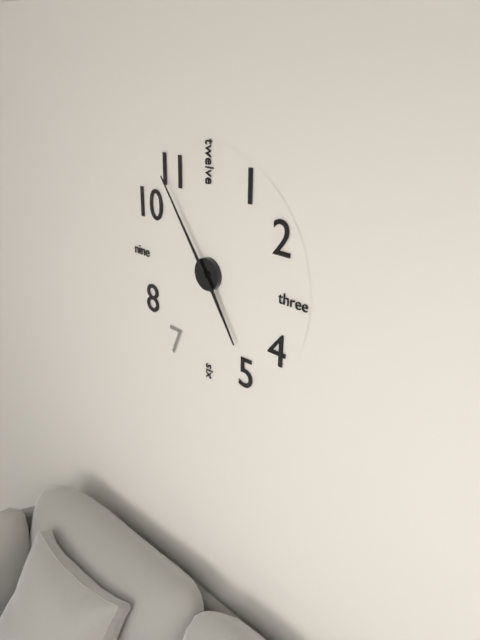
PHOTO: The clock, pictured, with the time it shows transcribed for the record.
4:54
